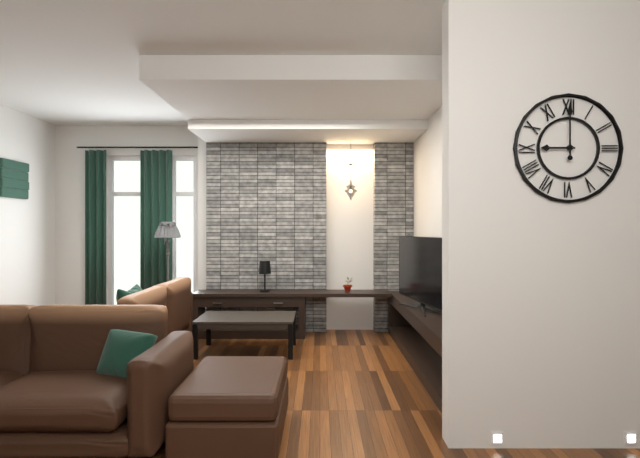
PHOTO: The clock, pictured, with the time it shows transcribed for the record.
9:00
